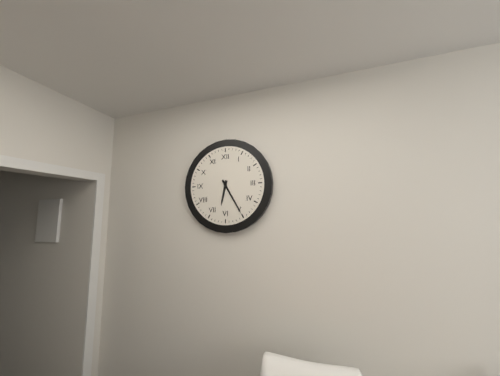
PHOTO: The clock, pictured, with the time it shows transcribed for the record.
6:25
